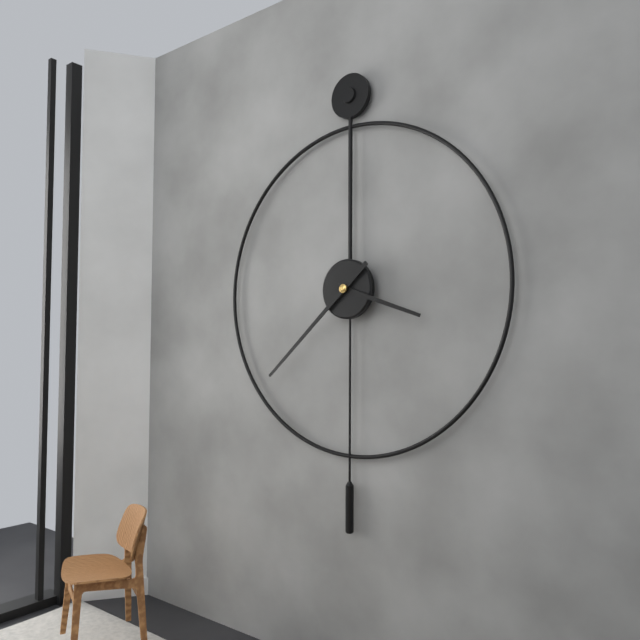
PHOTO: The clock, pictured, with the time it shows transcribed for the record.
3:38
